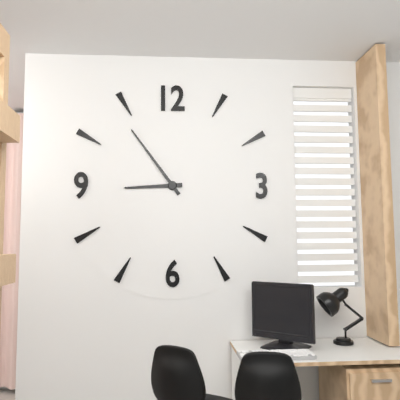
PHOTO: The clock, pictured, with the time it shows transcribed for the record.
8:54
